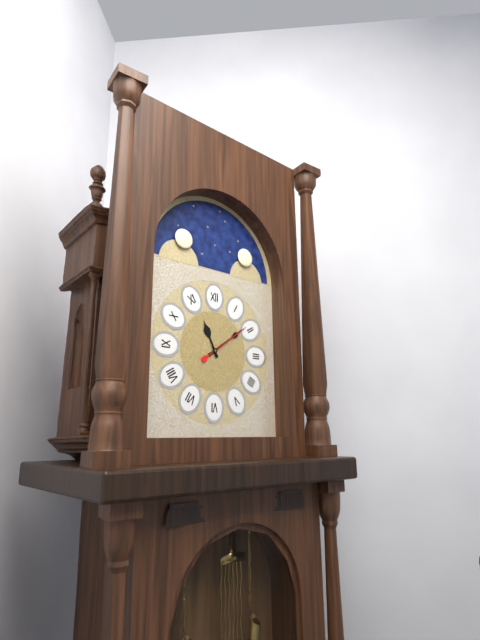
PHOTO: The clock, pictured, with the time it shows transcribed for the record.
11:09
